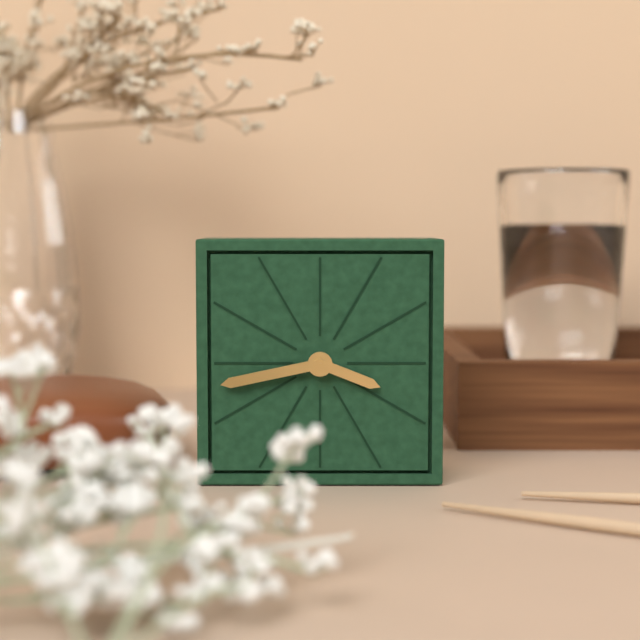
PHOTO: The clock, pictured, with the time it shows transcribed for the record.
3:43
